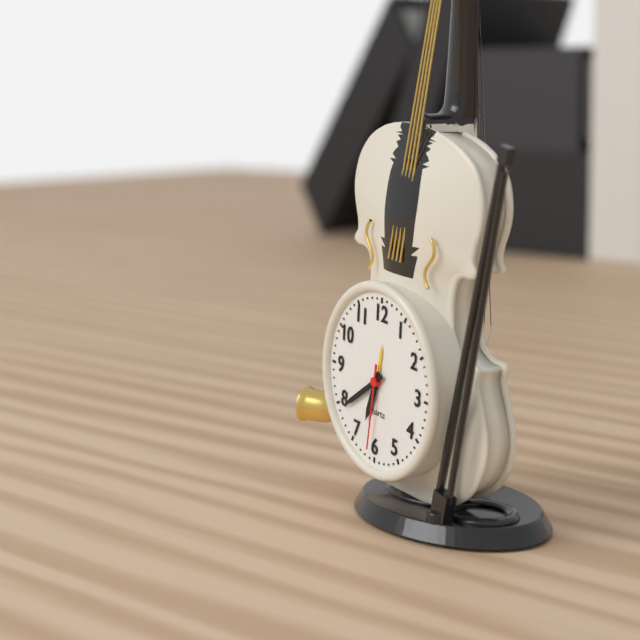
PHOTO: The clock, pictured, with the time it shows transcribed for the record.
6:39:31
